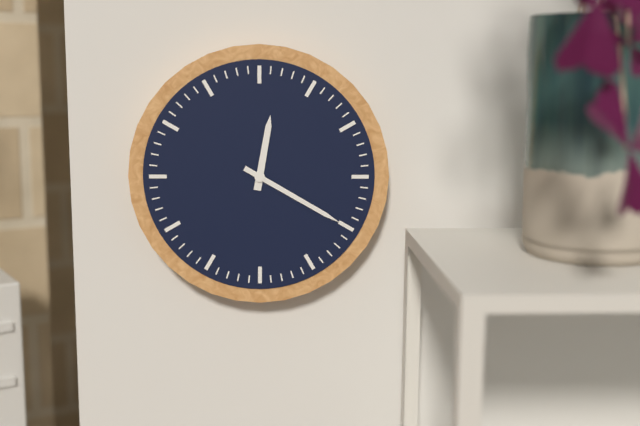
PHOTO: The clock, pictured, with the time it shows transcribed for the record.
12:20
